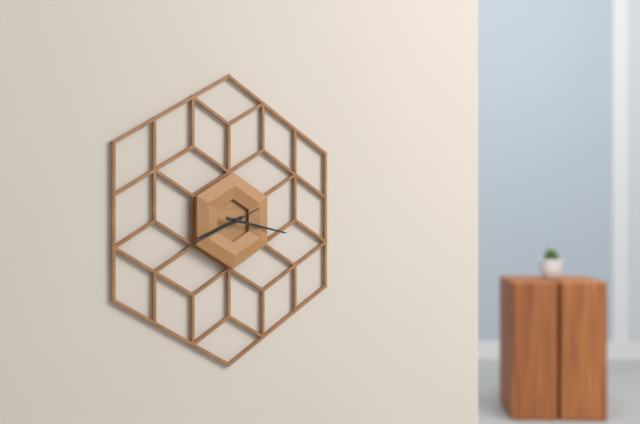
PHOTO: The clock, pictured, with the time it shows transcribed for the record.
8:17:41
